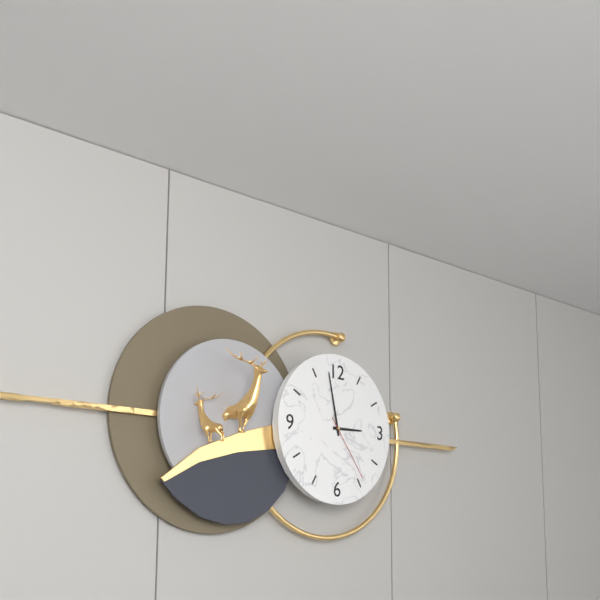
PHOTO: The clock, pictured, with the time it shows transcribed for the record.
2:58:24
